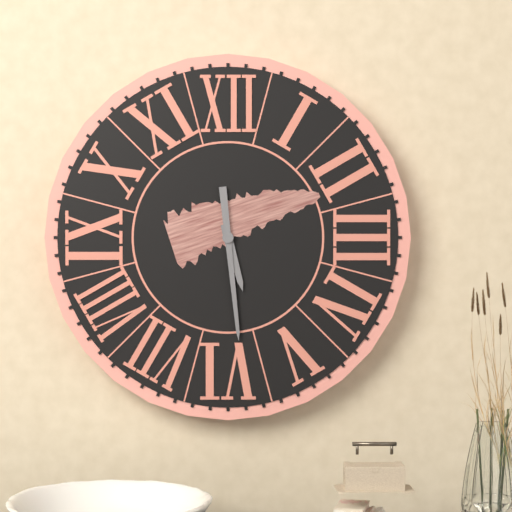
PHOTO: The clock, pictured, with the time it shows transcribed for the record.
5:29
